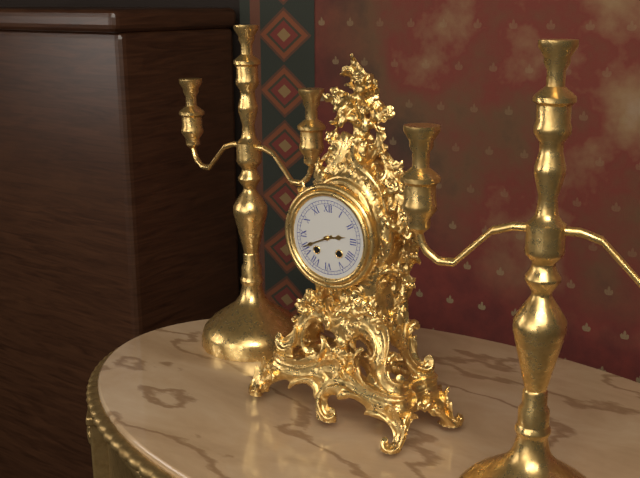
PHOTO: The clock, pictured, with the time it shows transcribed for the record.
2:41
